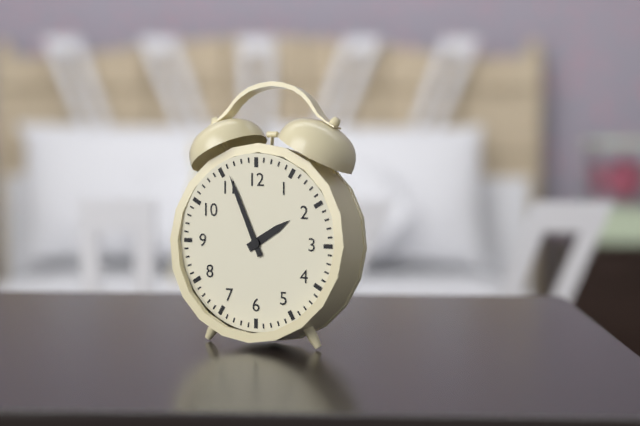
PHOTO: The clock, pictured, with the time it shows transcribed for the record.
1:56
